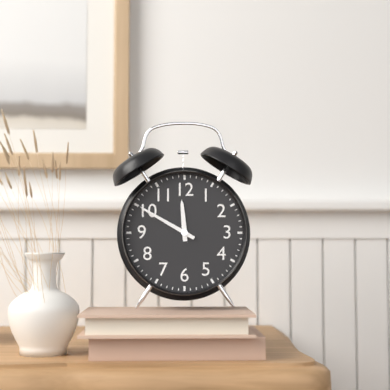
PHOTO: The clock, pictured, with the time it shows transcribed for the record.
11:50
